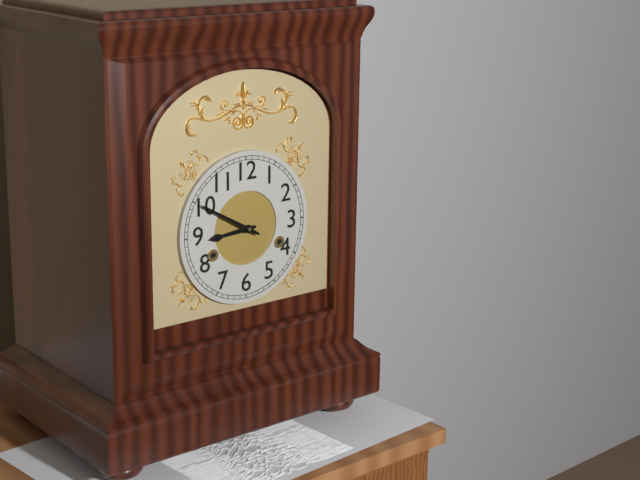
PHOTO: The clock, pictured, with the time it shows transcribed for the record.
8:50
